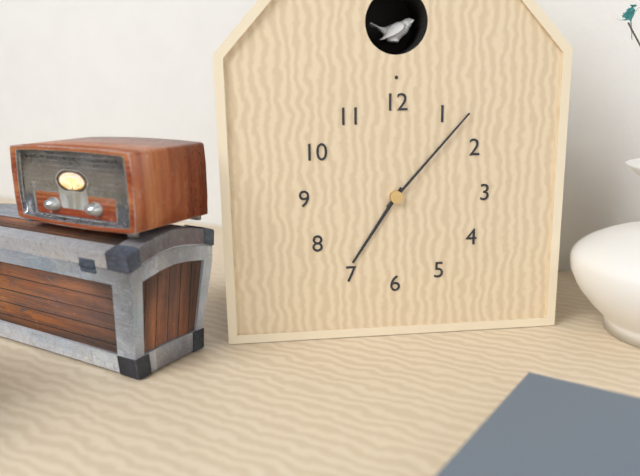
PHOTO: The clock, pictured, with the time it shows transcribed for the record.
7:07
